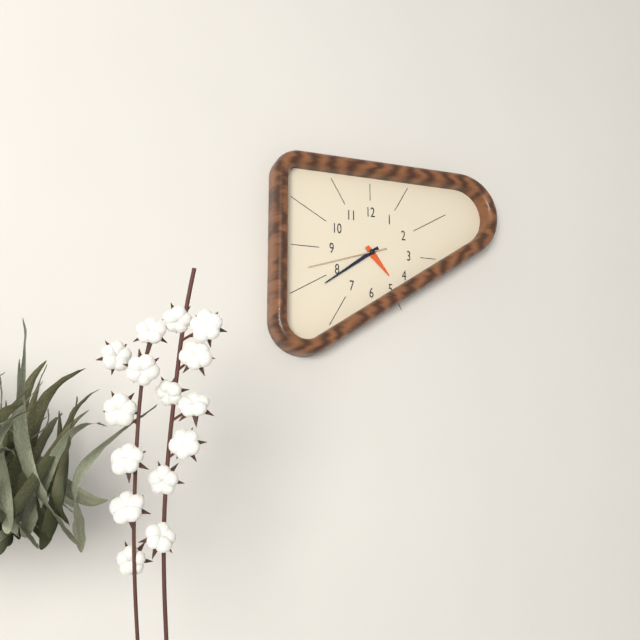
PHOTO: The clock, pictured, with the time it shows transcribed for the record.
4:39:42
